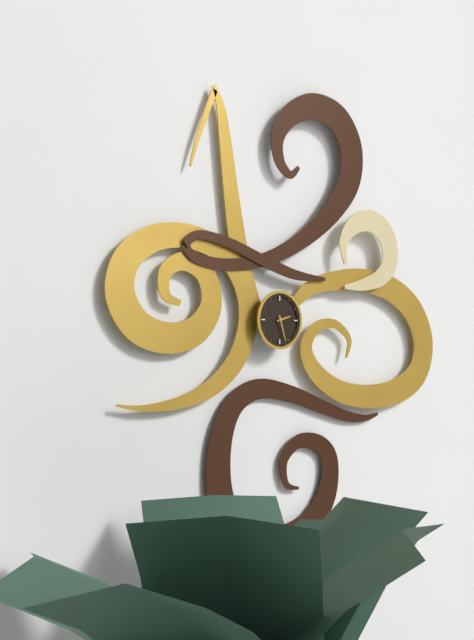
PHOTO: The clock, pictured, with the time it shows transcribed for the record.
2:27
